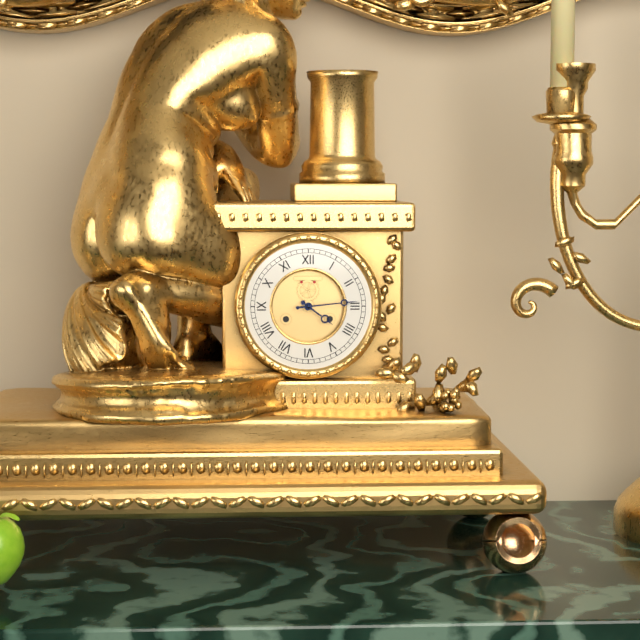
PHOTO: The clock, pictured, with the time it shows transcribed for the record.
4:14
